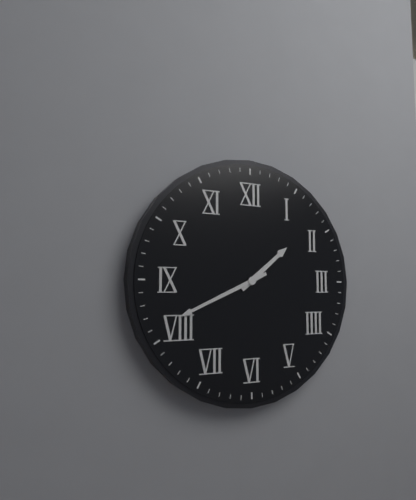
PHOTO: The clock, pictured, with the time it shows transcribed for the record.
1:41
